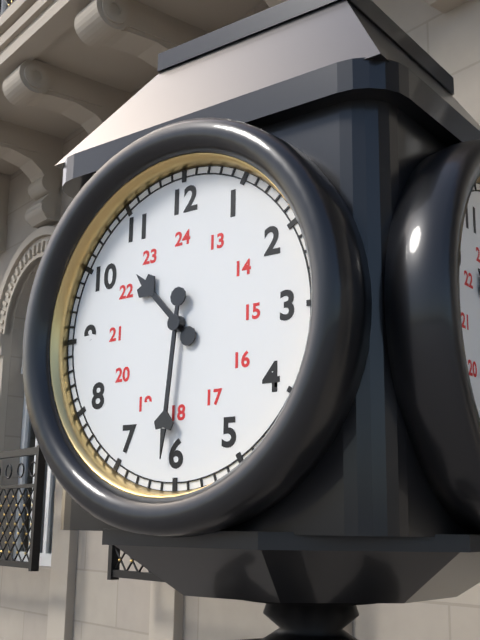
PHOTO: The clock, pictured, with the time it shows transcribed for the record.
10:31
